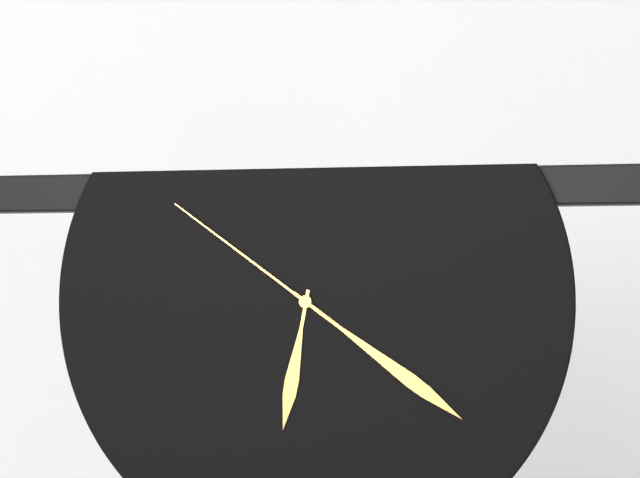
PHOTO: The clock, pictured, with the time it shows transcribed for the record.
6:21:51
